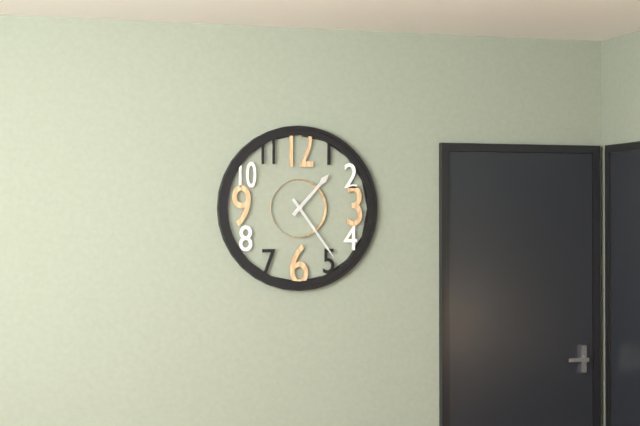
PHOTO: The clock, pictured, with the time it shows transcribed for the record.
1:24
